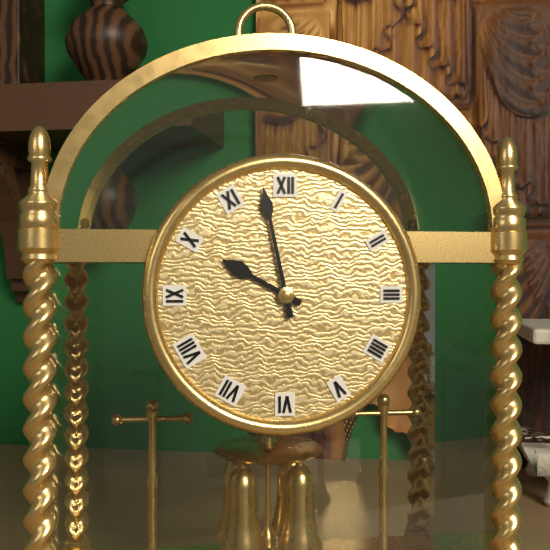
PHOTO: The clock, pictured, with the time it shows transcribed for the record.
9:58
